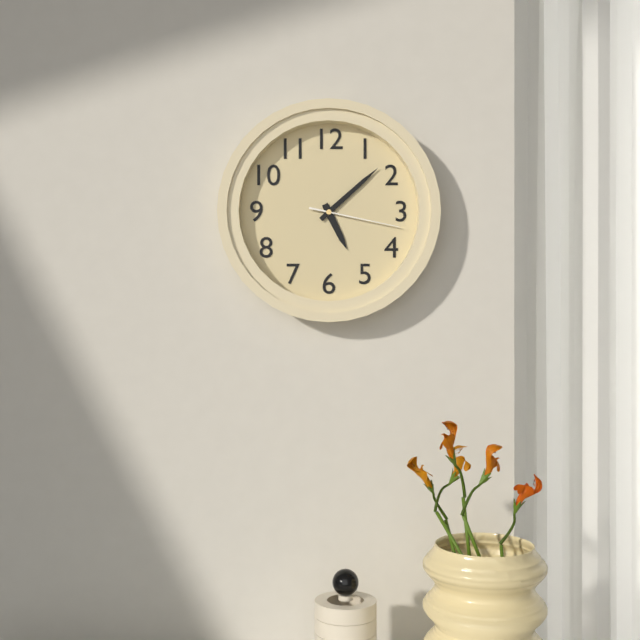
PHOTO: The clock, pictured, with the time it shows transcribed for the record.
5:08:17
